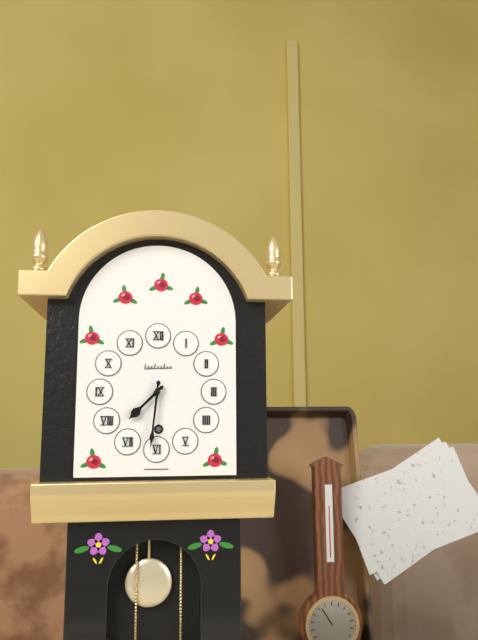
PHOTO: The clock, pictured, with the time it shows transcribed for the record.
7:31
